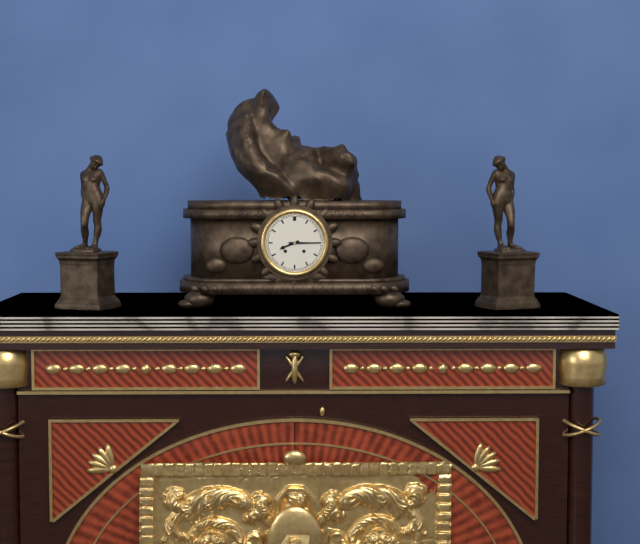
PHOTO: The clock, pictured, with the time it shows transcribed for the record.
8:15
